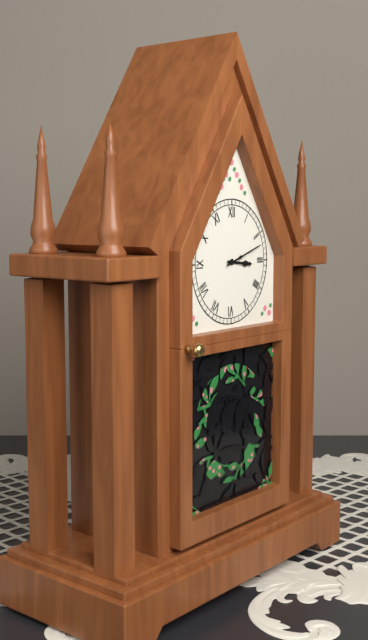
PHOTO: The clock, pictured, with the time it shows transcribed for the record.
3:12
